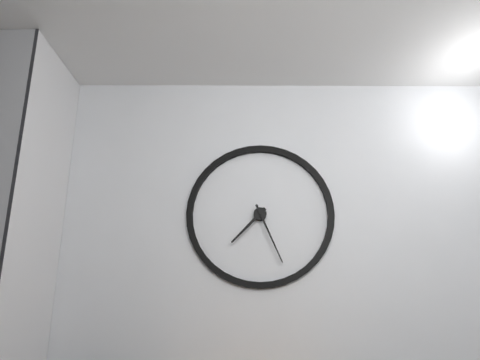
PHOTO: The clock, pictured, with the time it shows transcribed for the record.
7:26
